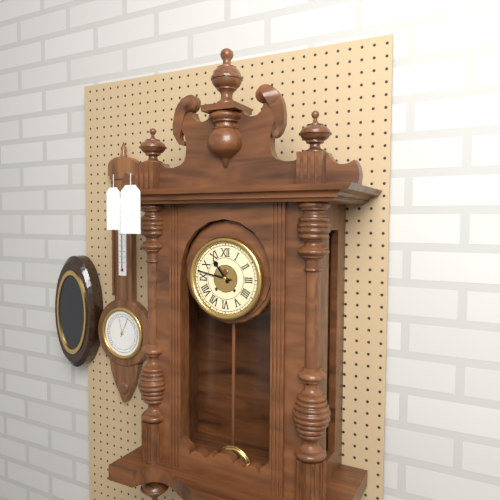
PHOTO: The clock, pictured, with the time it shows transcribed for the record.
10:47
